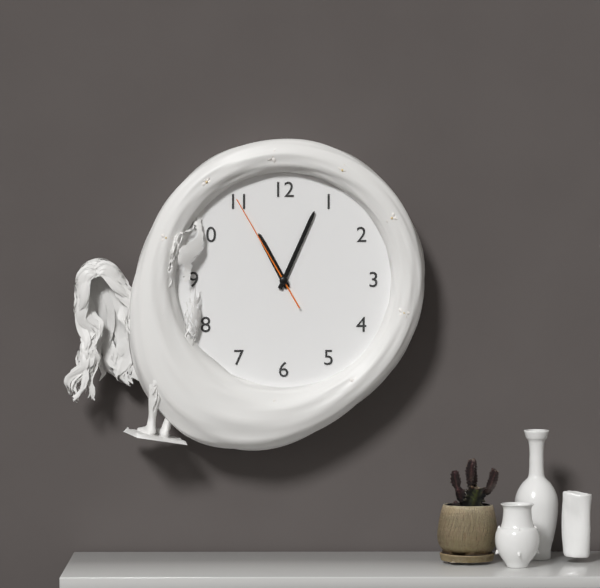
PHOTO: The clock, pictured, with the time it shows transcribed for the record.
11:04:55
